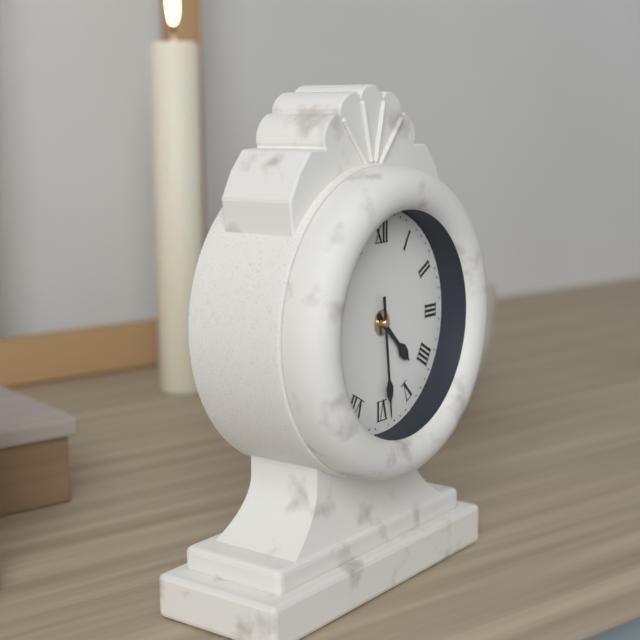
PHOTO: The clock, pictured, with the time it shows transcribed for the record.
4:29
